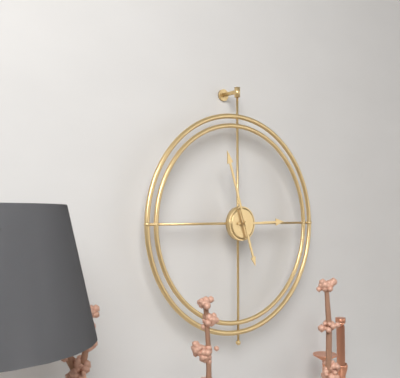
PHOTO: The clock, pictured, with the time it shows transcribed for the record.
2:57
